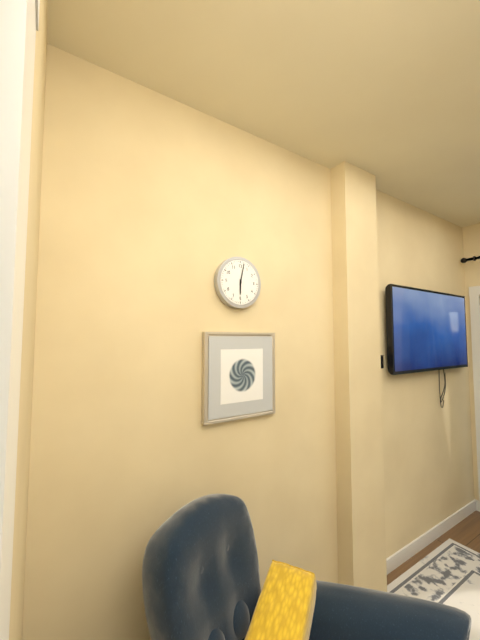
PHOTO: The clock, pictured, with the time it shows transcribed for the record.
6:02
